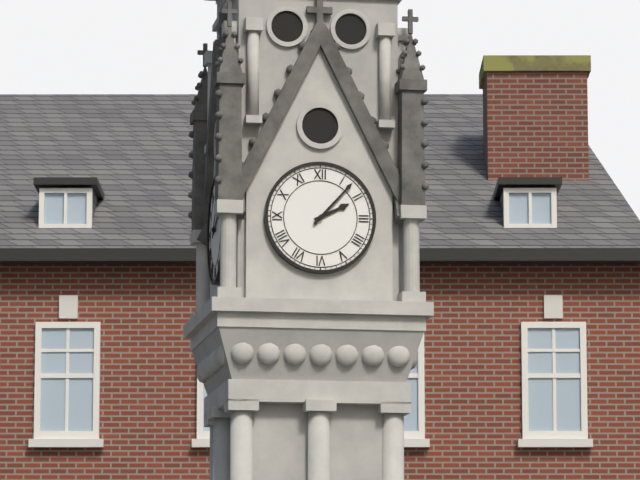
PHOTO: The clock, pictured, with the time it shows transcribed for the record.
2:07
